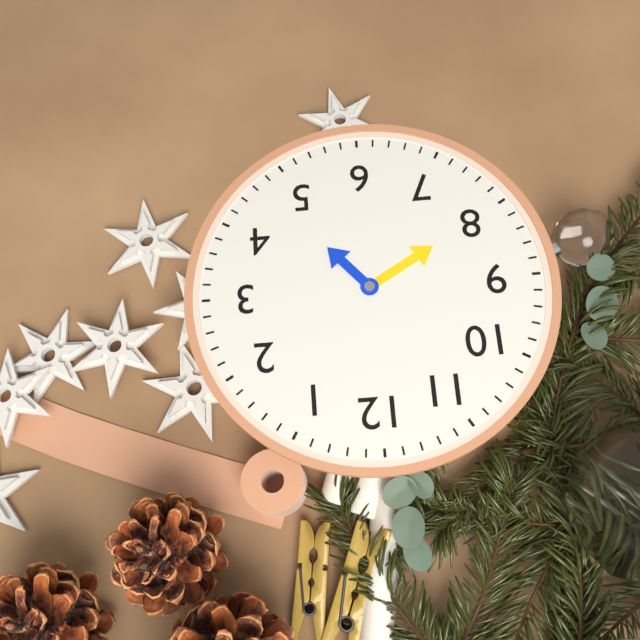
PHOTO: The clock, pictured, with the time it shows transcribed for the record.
4:40
